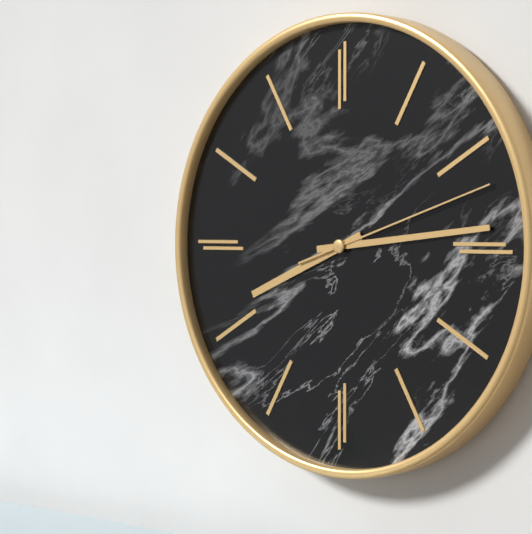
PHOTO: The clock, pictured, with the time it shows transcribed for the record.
8:14:12
